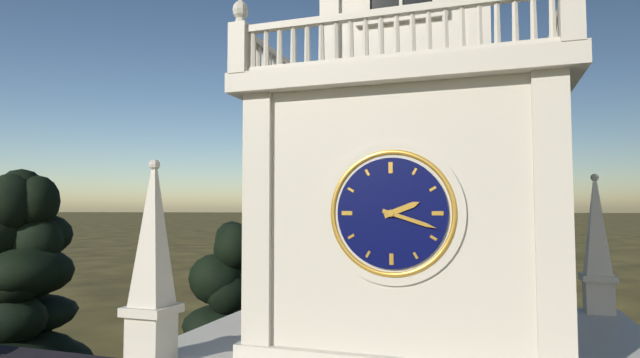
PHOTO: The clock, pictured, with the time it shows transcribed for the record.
2:18
